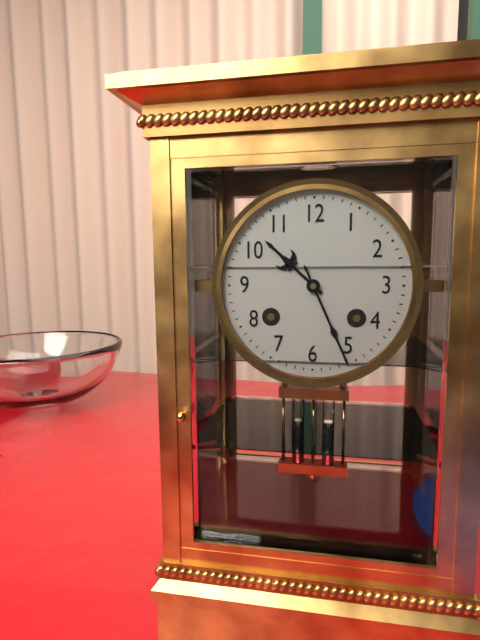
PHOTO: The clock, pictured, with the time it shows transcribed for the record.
10:26
